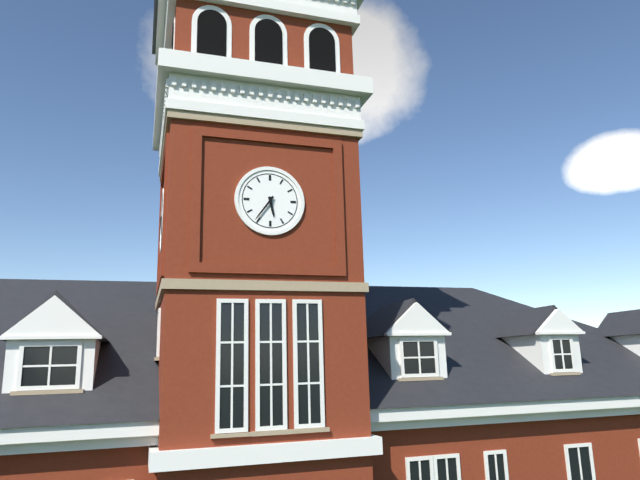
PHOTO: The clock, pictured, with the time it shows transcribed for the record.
5:36
